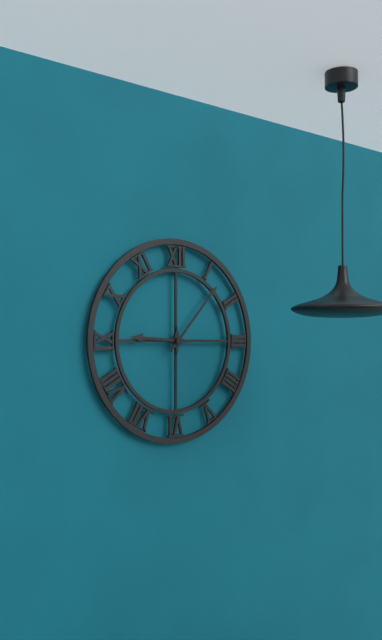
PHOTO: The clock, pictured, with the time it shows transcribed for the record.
9:07
